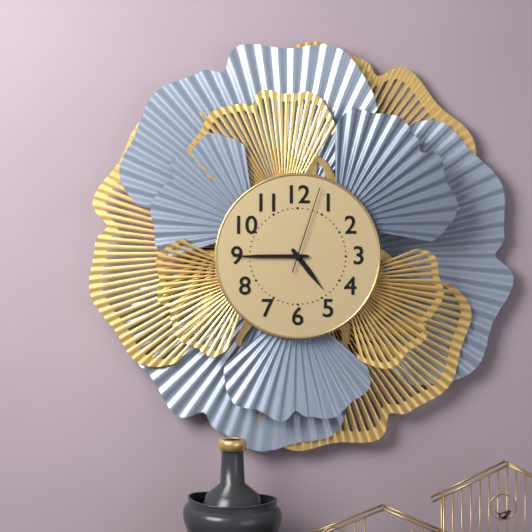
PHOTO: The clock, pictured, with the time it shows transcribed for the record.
4:45:03
